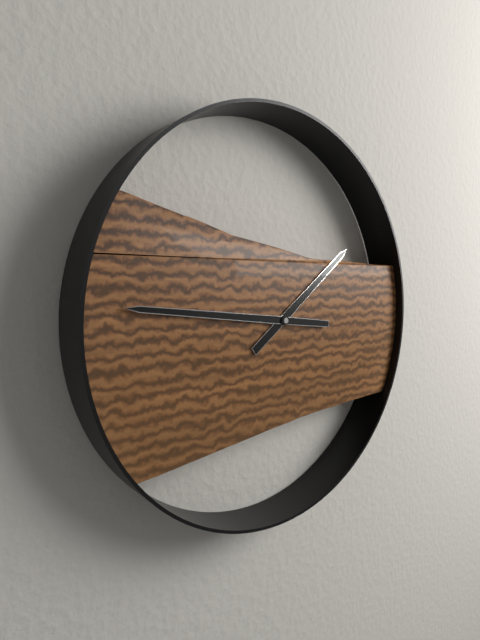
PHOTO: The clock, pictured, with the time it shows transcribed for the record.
1:46
